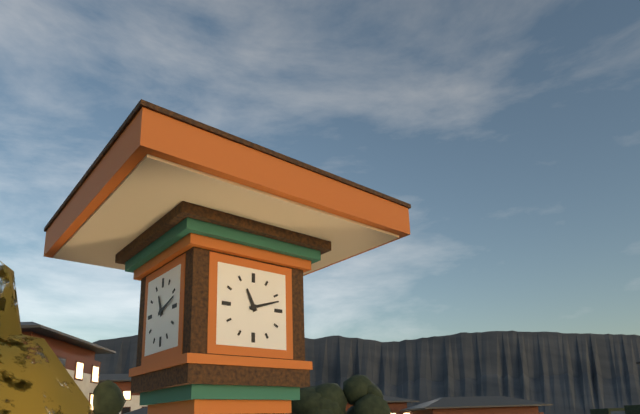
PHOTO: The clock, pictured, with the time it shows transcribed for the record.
11:12
